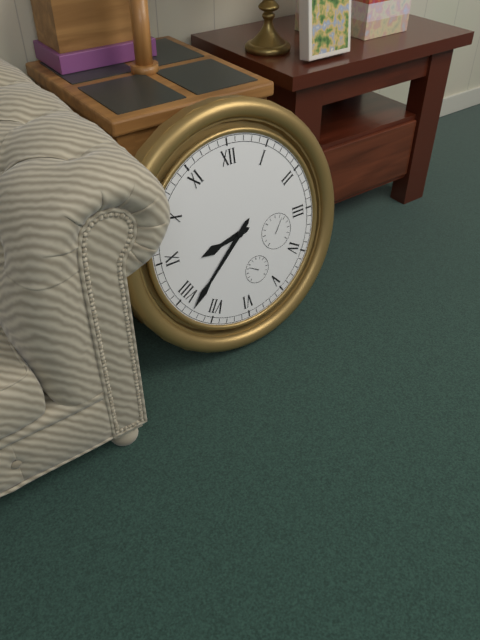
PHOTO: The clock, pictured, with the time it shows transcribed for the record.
8:38
